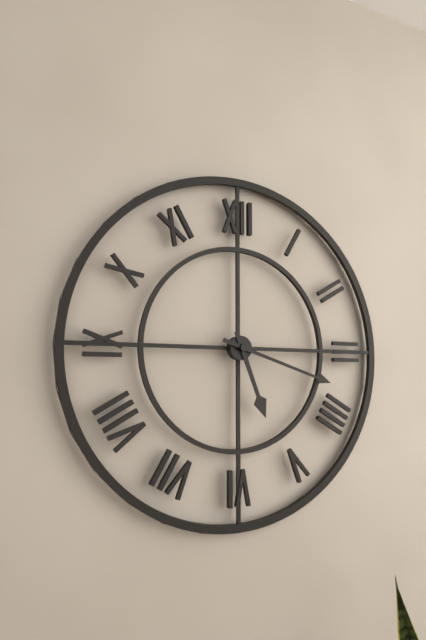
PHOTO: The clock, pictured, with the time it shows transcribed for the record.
5:18
